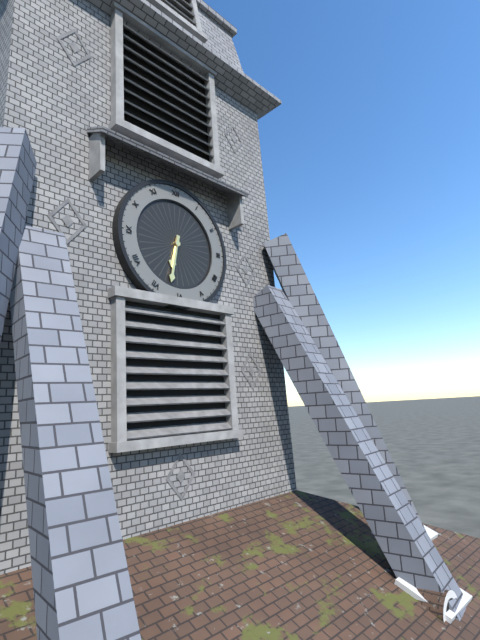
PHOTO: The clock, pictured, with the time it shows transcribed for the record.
6:32
